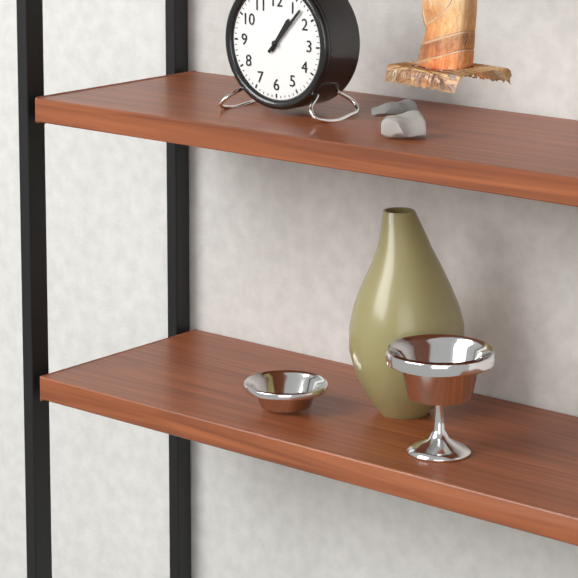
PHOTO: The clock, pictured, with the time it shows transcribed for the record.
1:07
